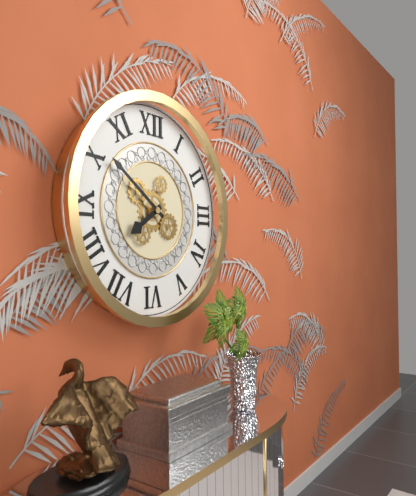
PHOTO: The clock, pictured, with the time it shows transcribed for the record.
7:51
